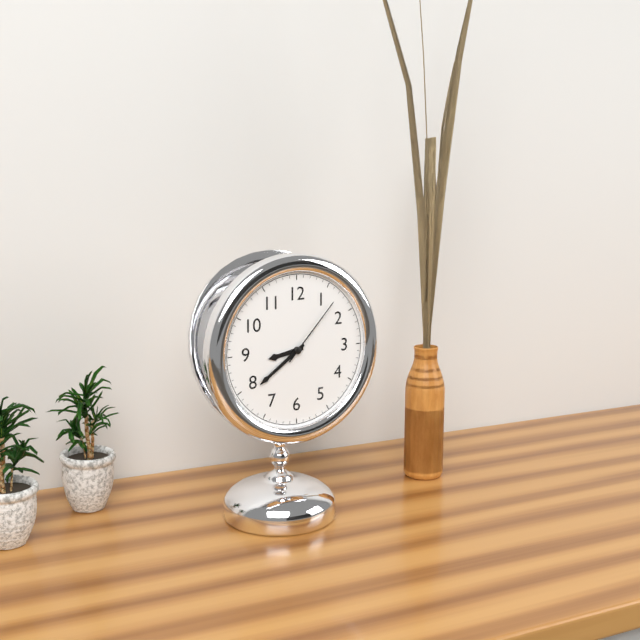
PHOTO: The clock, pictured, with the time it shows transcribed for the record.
8:39:07
